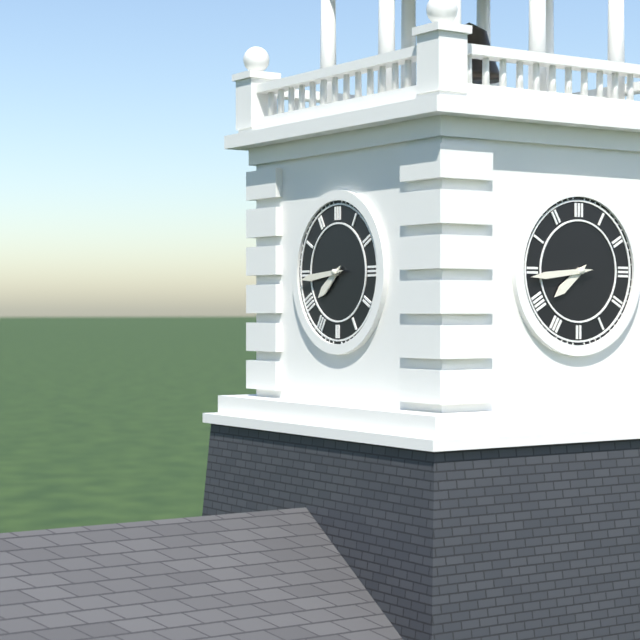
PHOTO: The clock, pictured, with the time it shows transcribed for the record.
7:44
